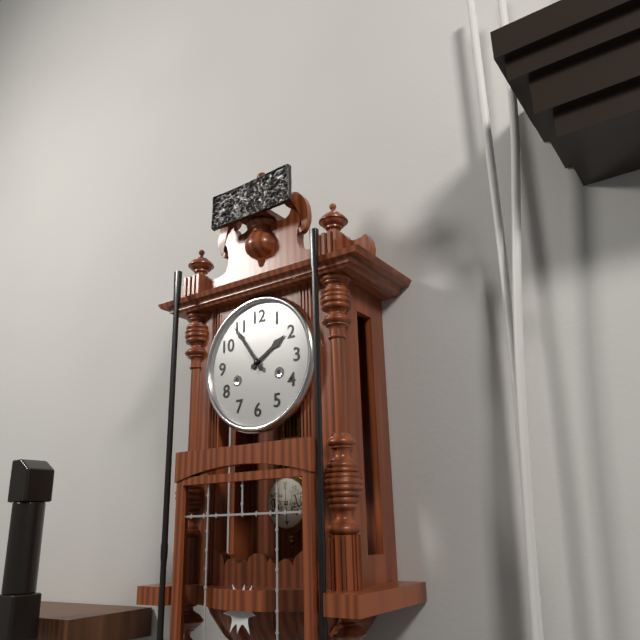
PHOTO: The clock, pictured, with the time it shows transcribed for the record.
1:54
